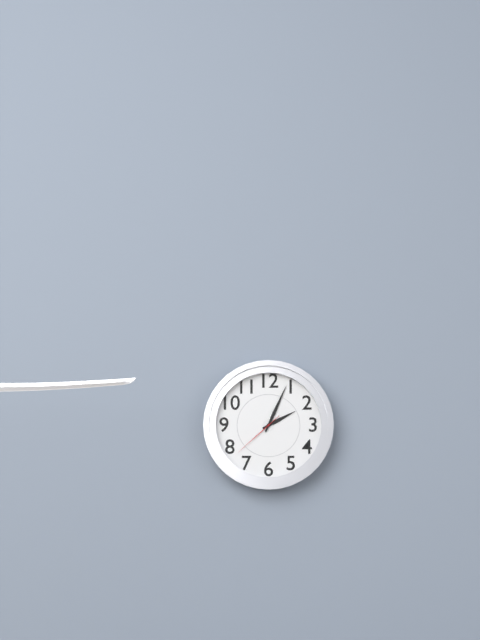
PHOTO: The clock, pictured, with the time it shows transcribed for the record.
2:04:38
